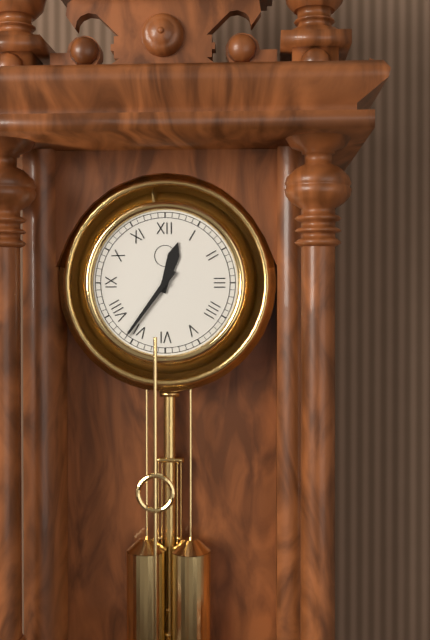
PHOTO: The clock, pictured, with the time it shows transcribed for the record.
12:36
